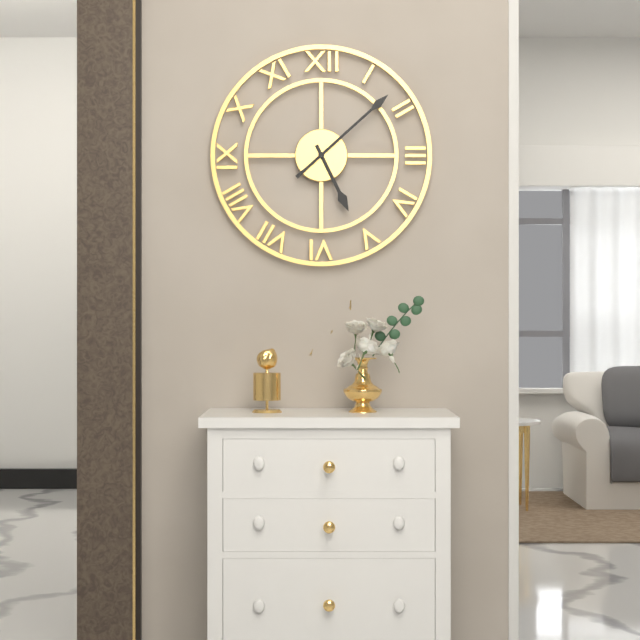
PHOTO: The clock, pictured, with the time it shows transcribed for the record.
5:08
